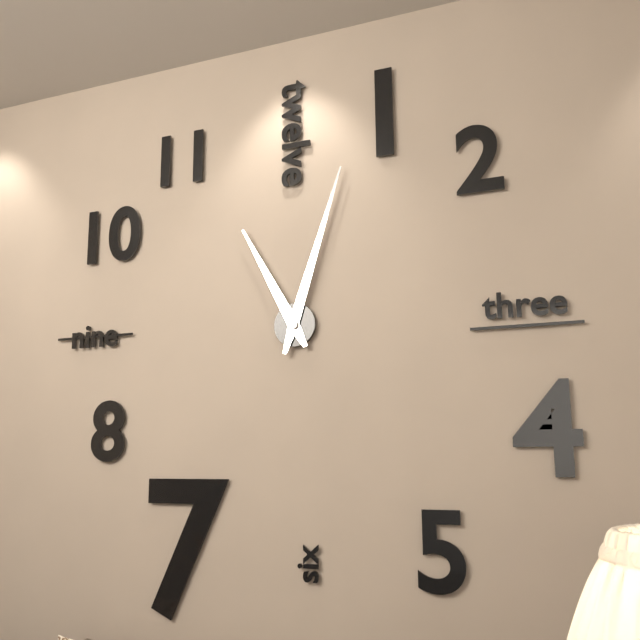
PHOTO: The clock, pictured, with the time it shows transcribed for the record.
11:03
